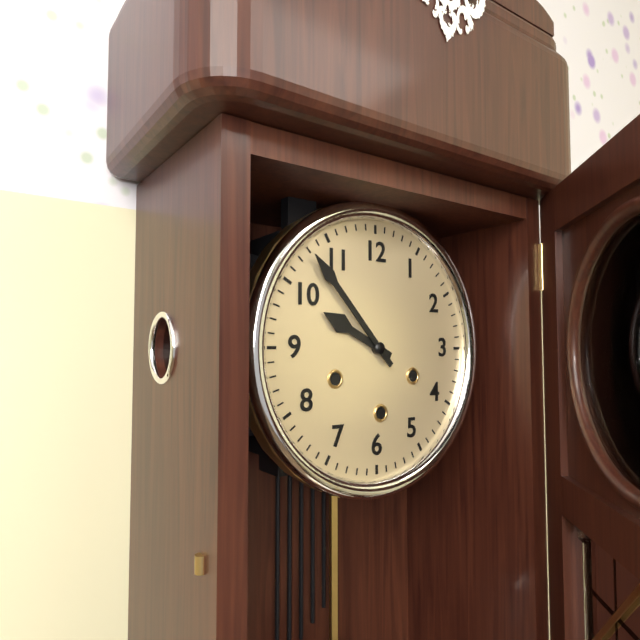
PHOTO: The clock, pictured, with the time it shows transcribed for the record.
9:53
